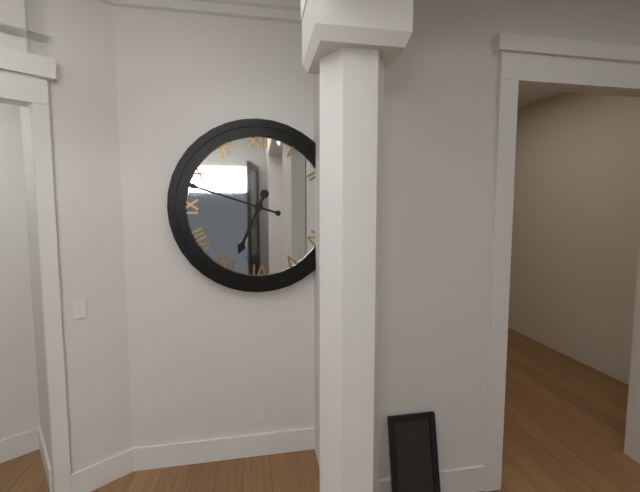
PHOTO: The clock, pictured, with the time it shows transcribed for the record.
6:48
